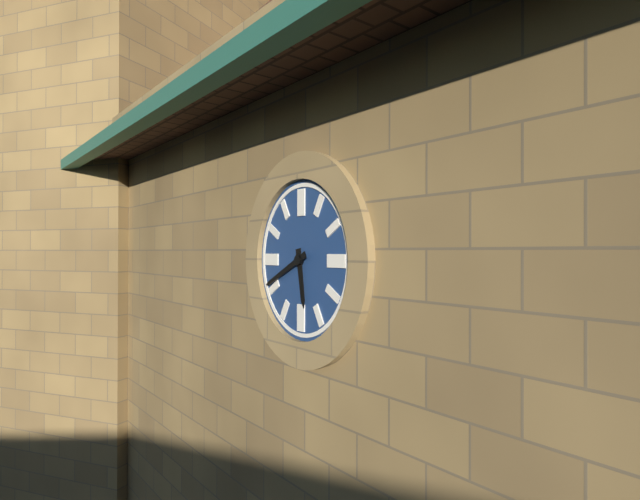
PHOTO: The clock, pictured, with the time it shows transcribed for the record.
5:41
